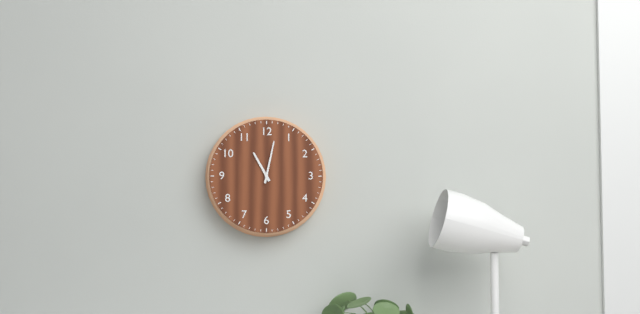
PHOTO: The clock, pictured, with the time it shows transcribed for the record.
11:02
